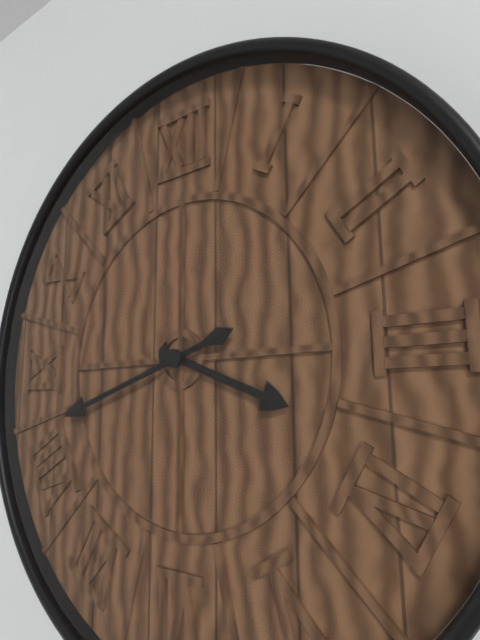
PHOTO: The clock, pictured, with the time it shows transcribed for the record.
3:42
